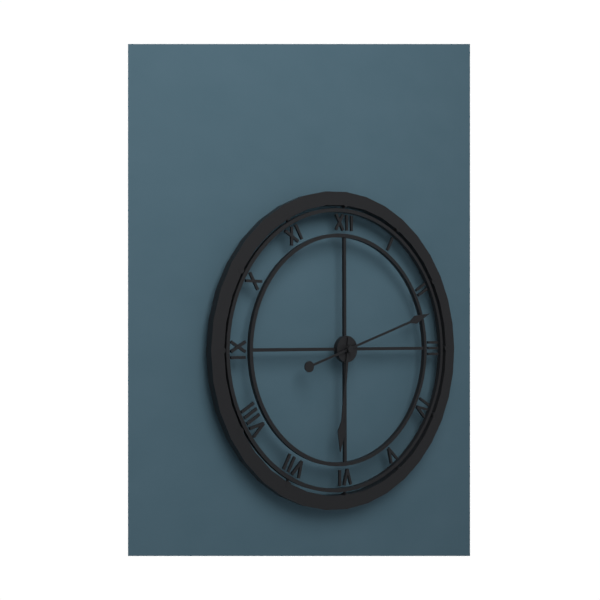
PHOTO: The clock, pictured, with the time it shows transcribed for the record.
6:12
